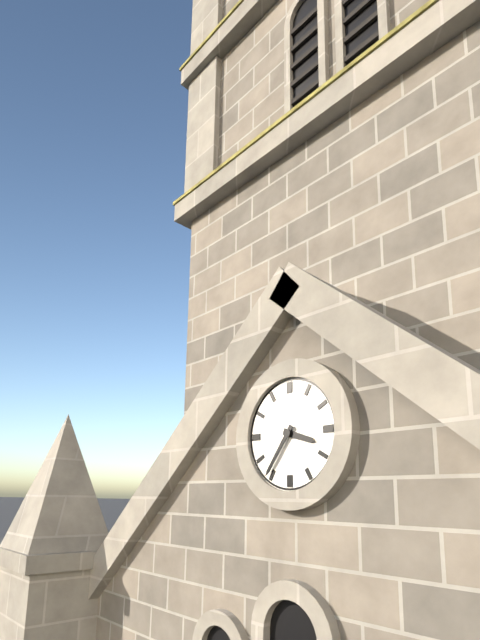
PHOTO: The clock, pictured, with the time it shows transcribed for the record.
3:36
